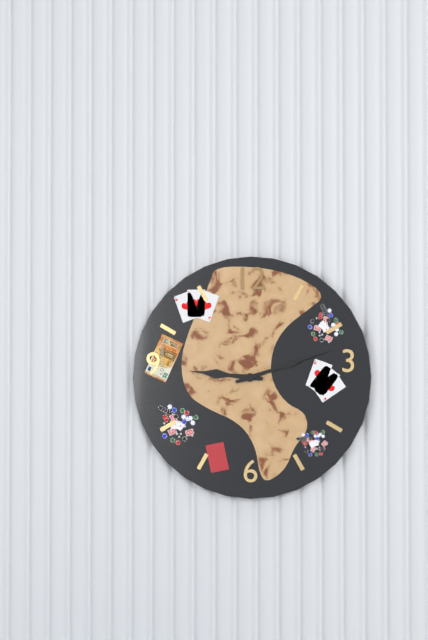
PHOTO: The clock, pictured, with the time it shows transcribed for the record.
9:12
